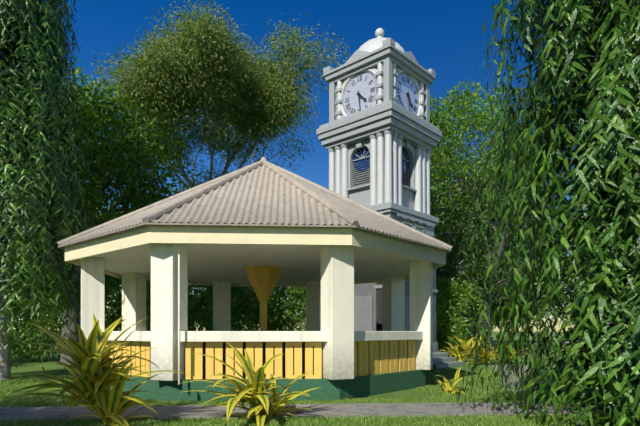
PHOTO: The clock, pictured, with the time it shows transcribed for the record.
4:29
